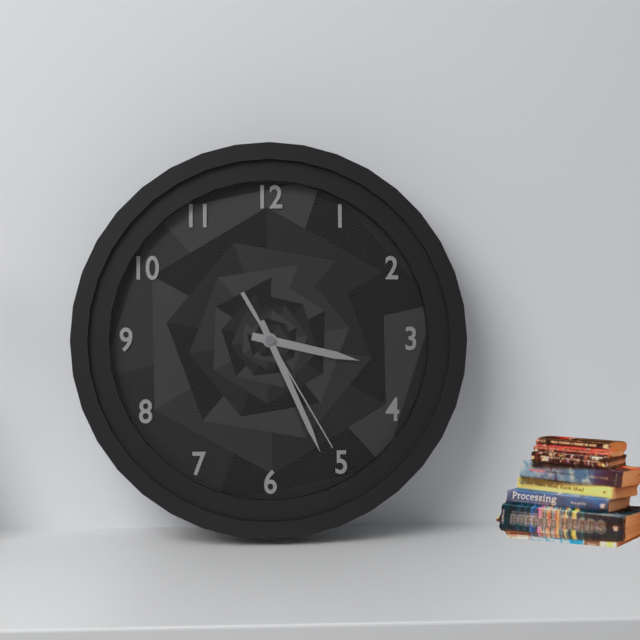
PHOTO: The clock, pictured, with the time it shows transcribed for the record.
3:26:25
